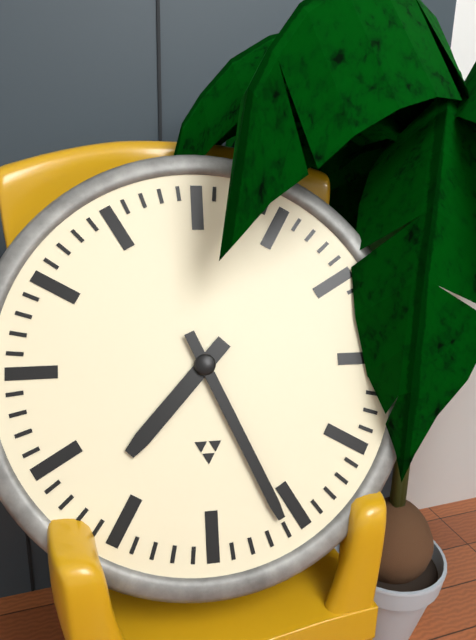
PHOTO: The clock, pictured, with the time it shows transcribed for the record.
7:26
